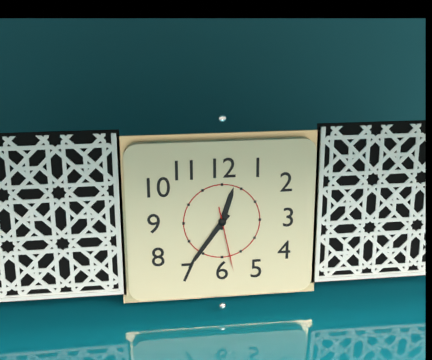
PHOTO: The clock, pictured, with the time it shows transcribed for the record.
12:36:28
